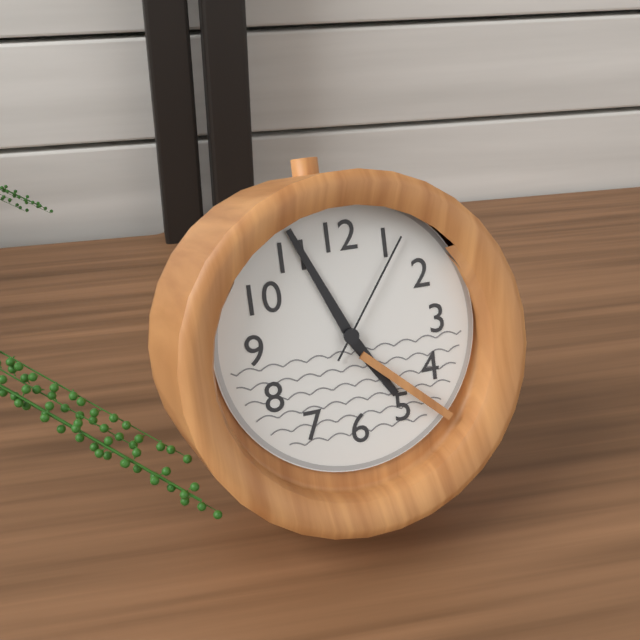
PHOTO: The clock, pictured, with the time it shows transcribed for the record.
4:56:06
